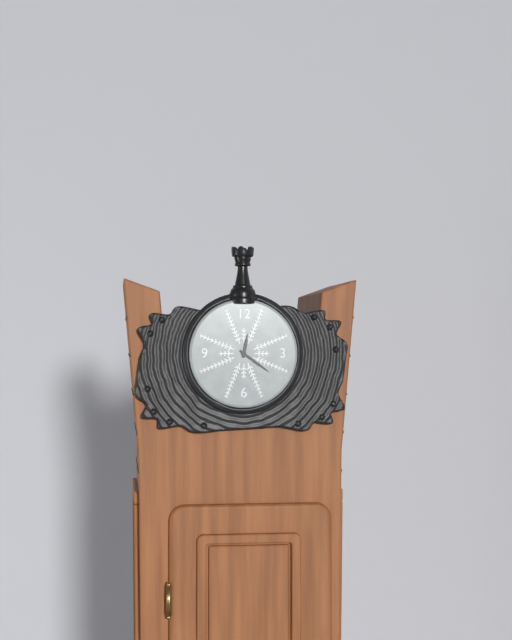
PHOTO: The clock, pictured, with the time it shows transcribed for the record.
12:21
